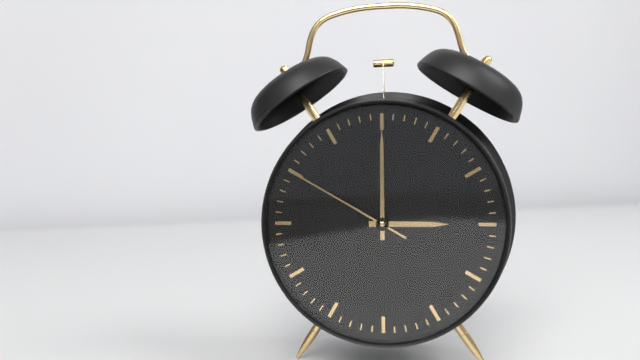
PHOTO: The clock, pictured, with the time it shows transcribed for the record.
3:00:50
